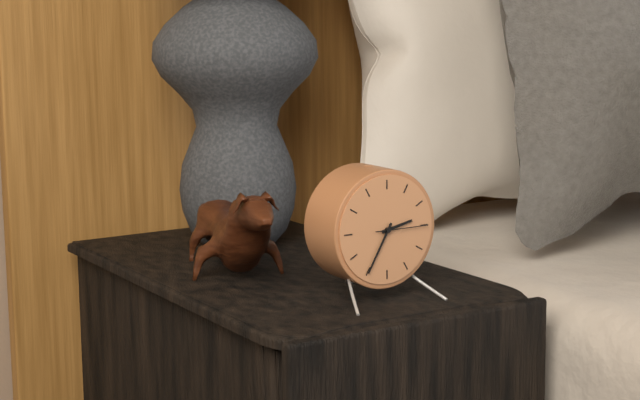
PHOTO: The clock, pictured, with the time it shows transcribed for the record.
2:35:15
